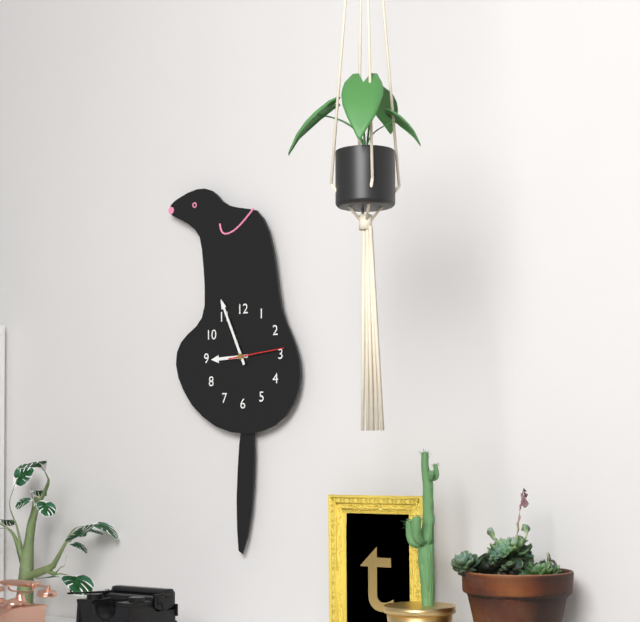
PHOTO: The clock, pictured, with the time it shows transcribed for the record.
8:56:14
